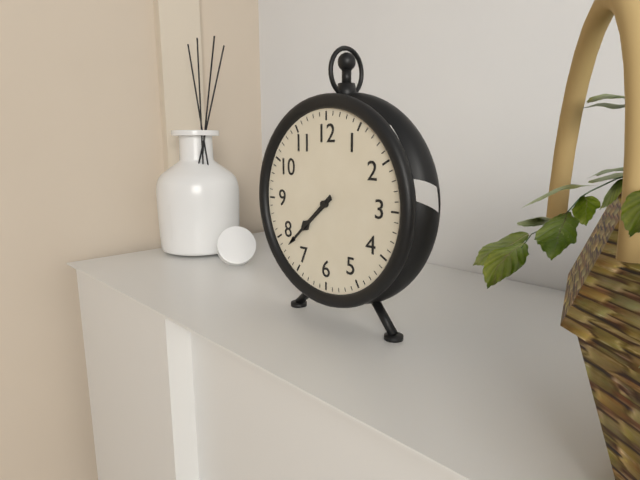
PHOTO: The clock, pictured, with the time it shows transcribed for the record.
7:38
